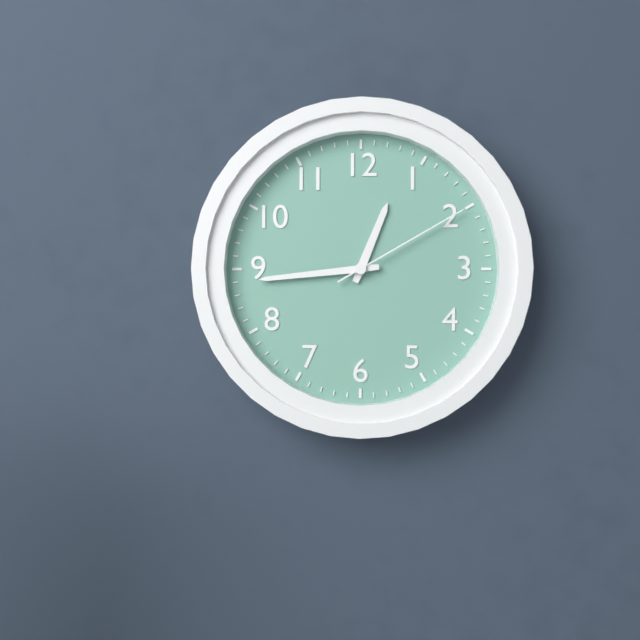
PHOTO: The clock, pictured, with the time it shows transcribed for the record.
12:44:10
